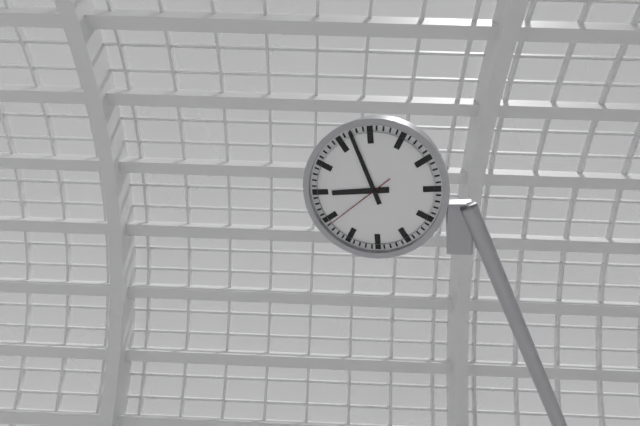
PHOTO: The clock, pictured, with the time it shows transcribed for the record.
8:57:39
